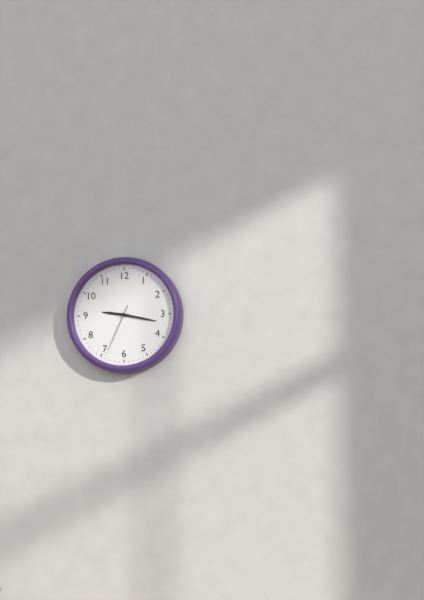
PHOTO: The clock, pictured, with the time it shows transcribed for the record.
9:17:34
